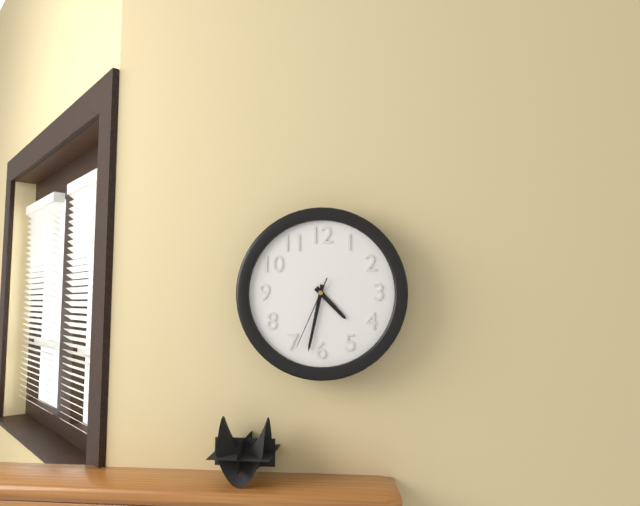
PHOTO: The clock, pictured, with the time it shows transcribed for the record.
4:32:34
